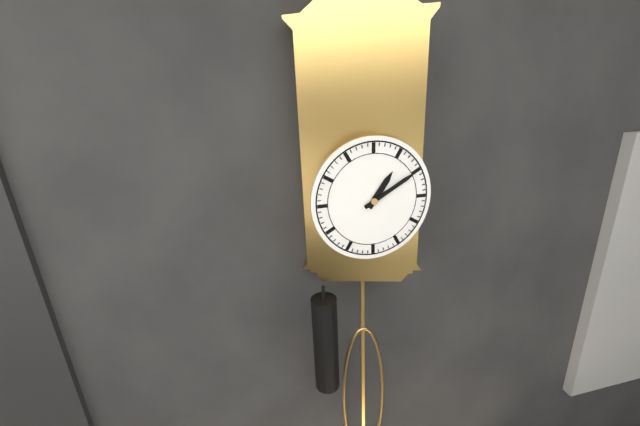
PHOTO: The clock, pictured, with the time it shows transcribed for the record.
1:10
